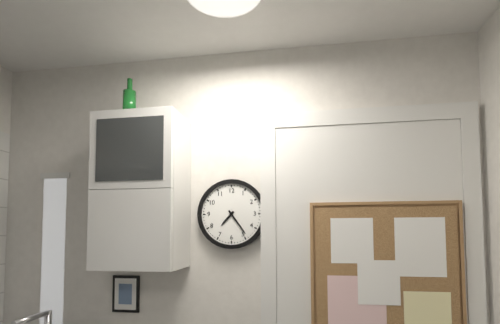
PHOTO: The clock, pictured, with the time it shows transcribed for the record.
7:24
